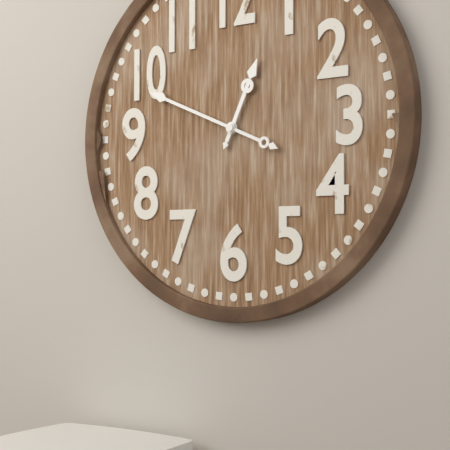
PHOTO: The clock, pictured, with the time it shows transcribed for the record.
12:49
